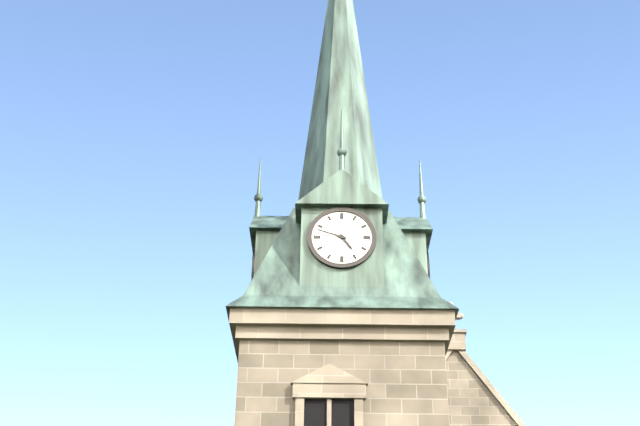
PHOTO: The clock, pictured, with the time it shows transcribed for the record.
4:48
